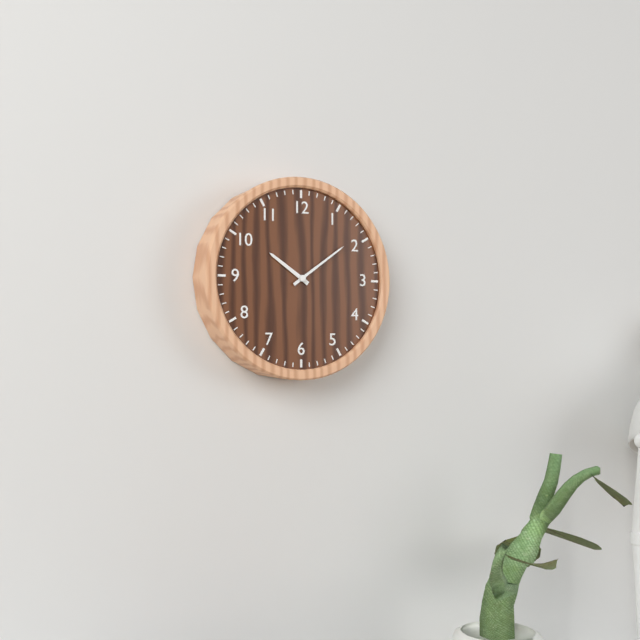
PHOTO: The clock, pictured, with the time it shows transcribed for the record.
10:09
